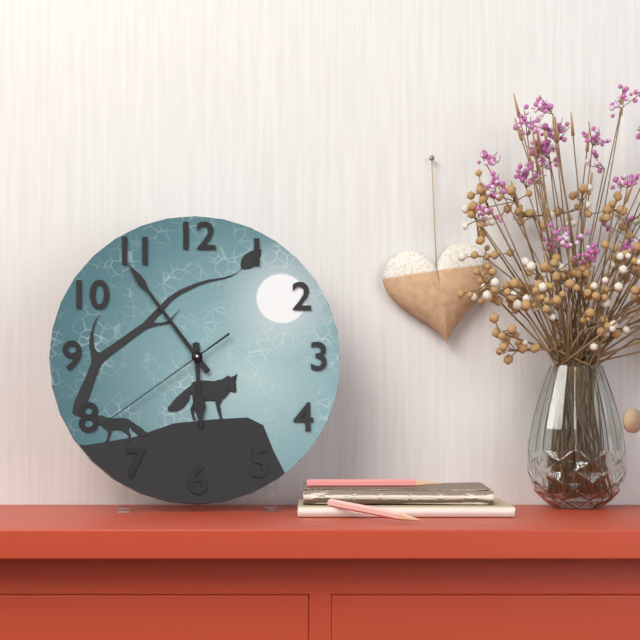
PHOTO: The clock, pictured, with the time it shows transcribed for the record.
5:54:39
